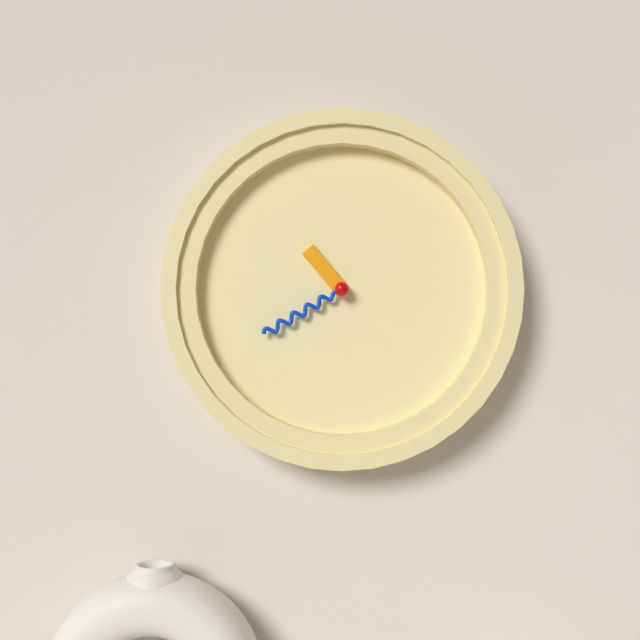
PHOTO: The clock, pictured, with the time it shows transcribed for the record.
10:40
